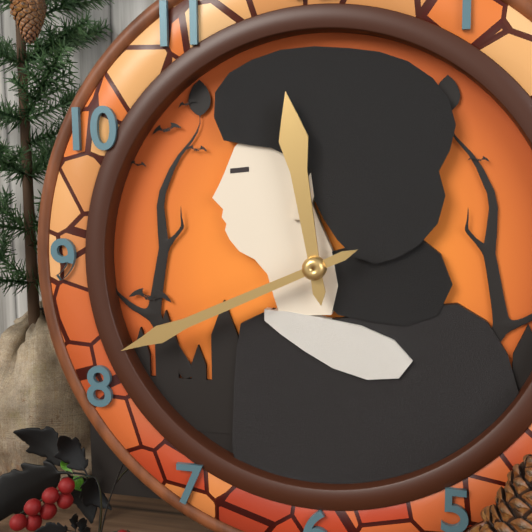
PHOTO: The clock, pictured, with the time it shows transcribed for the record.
11:41
